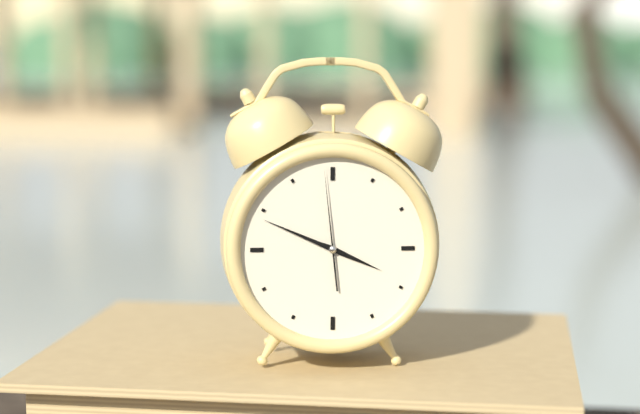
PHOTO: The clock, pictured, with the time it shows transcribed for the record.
3:49:59
